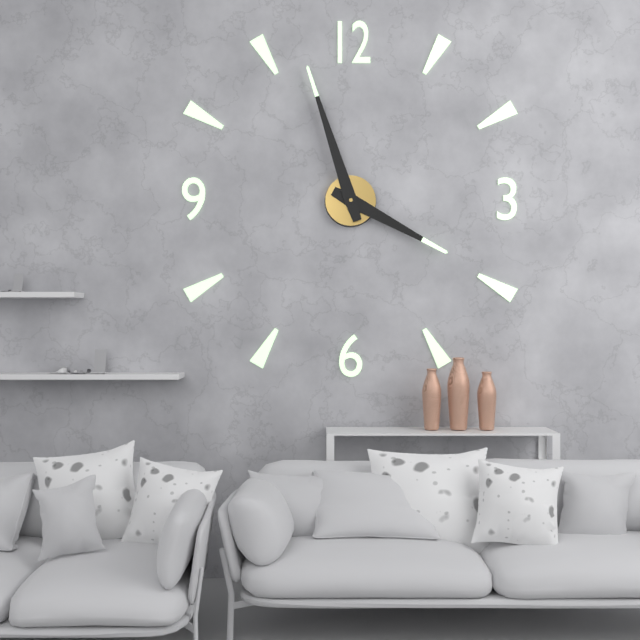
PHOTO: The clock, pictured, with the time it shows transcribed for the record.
3:57
